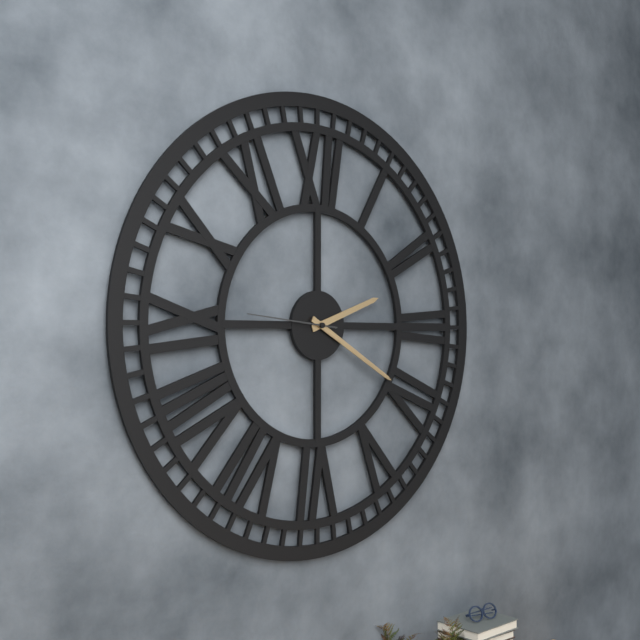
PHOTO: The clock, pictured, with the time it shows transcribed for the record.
2:20:46
